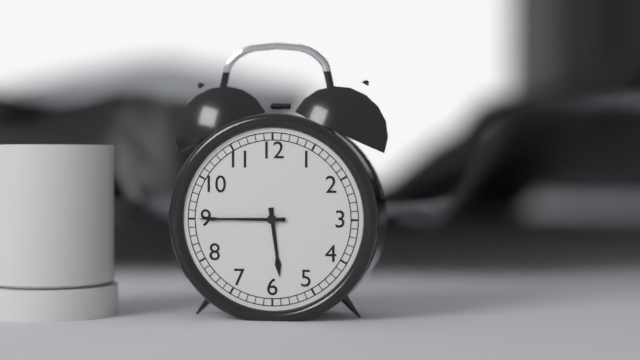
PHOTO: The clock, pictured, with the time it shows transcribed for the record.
5:45
